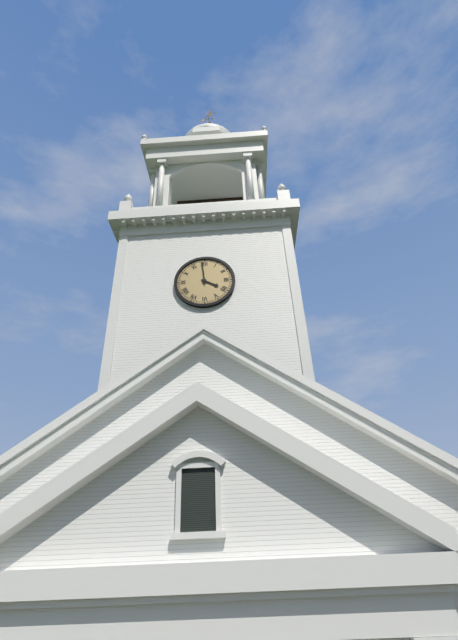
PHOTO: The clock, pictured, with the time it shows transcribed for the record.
3:59
